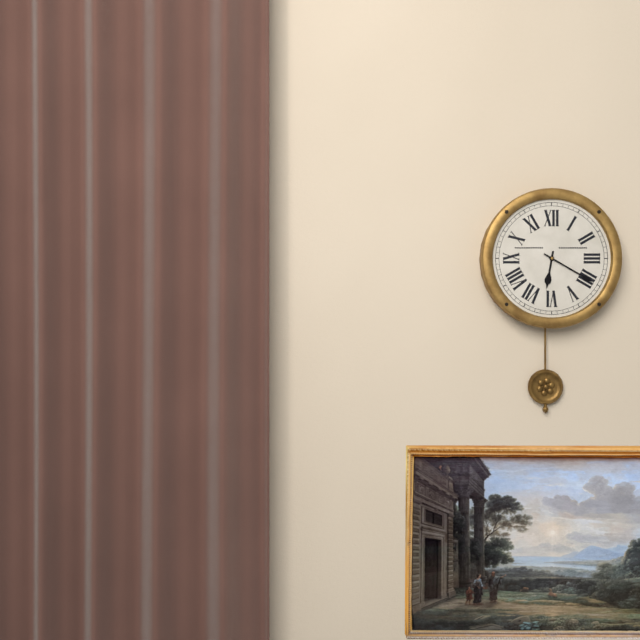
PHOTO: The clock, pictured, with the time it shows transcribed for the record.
6:20
